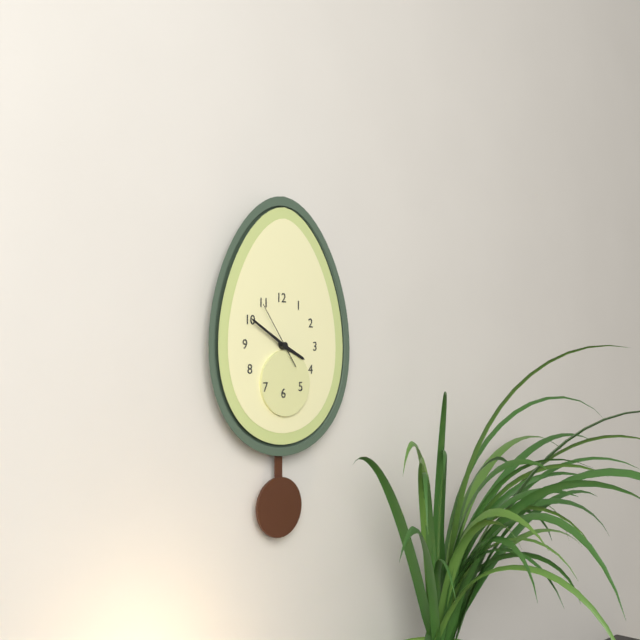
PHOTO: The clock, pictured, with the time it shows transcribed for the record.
3:50:54
